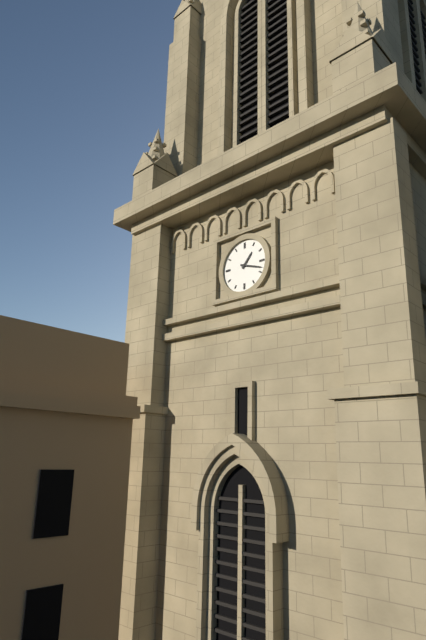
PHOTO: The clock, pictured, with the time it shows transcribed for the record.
1:18
